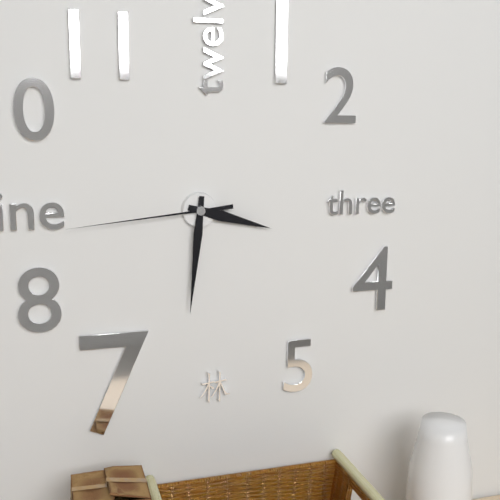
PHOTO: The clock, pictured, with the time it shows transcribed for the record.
3:31:44
